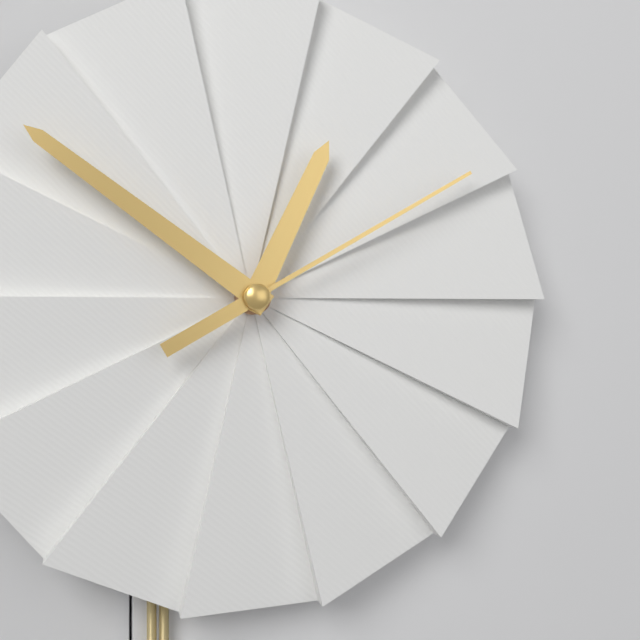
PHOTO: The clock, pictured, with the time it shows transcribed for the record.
12:51:10
